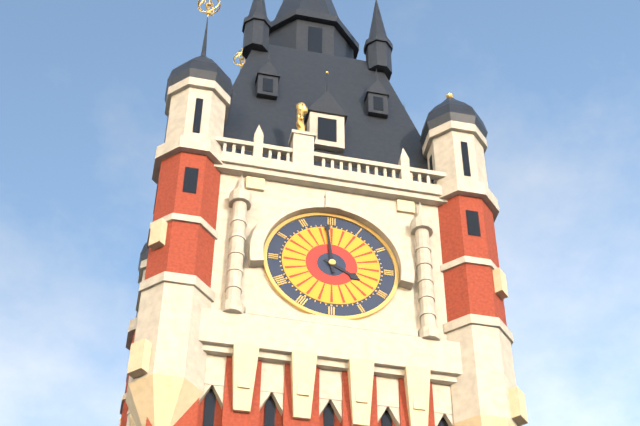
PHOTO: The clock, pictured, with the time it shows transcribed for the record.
3:59
